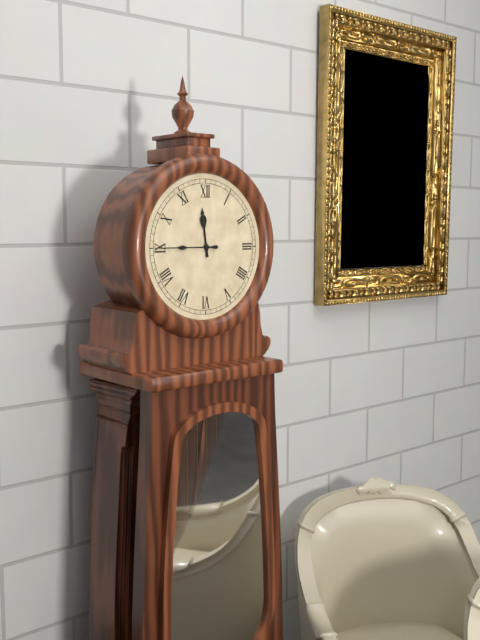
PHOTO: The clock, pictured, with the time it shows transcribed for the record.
11:45
